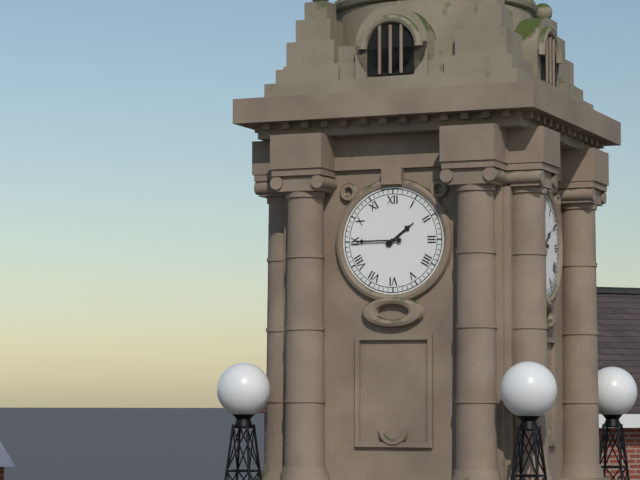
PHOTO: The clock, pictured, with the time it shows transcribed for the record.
1:45
